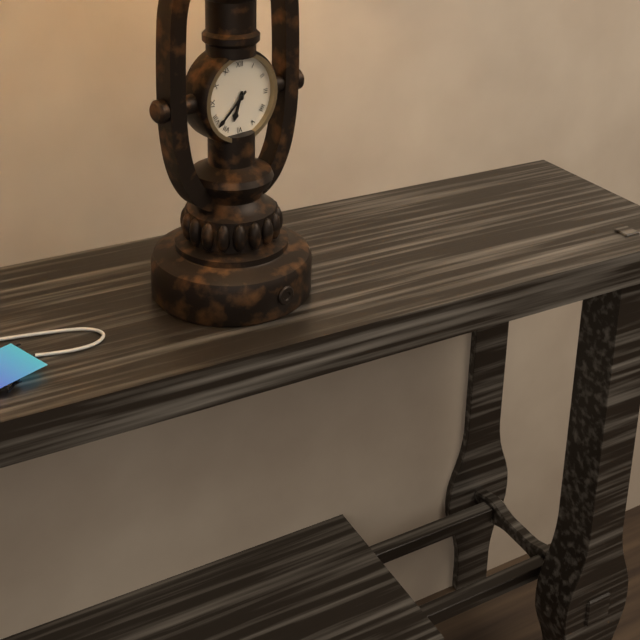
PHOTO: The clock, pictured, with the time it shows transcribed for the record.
6:38
